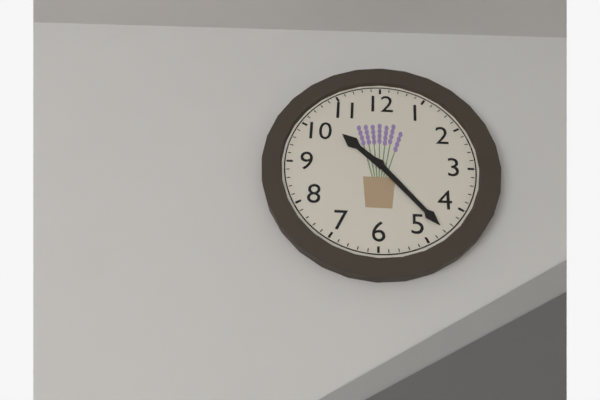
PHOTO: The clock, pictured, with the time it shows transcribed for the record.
10:23
